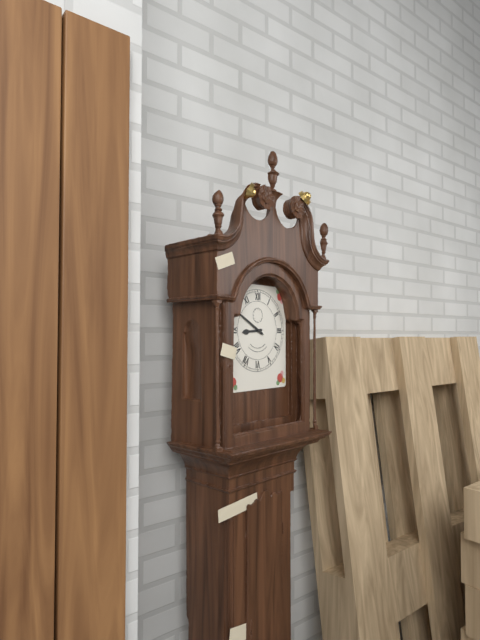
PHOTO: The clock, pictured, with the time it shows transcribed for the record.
8:50
